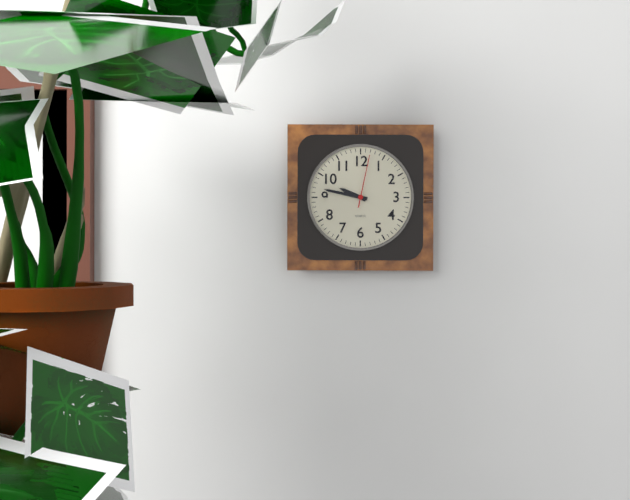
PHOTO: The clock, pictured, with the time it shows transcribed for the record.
9:47:02
